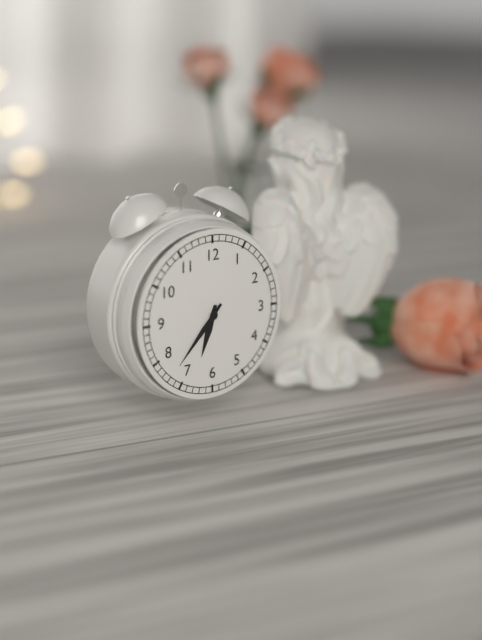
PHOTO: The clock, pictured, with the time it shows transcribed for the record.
6:37
